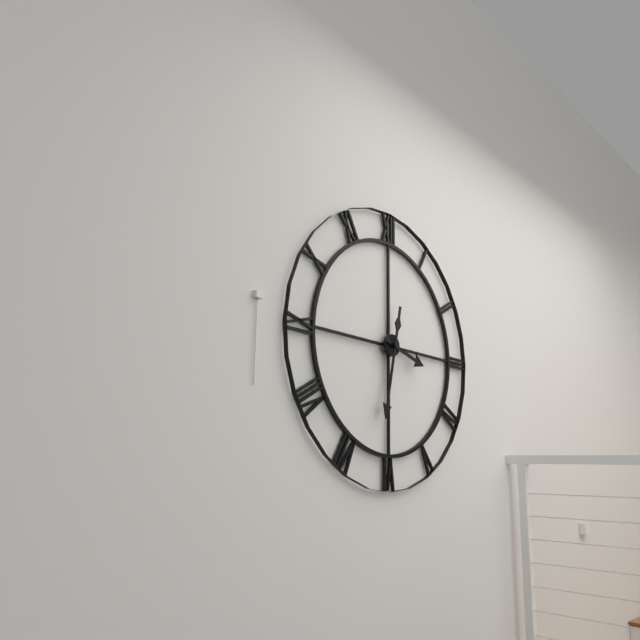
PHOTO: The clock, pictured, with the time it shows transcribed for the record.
3:32
